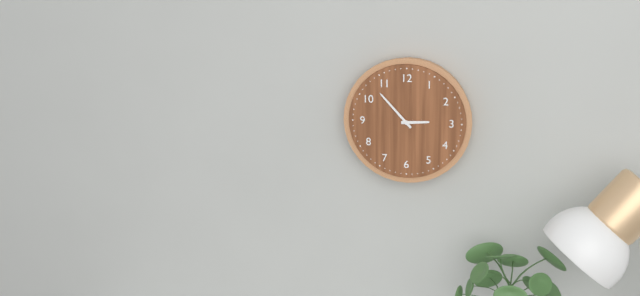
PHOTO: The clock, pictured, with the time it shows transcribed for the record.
2:53
